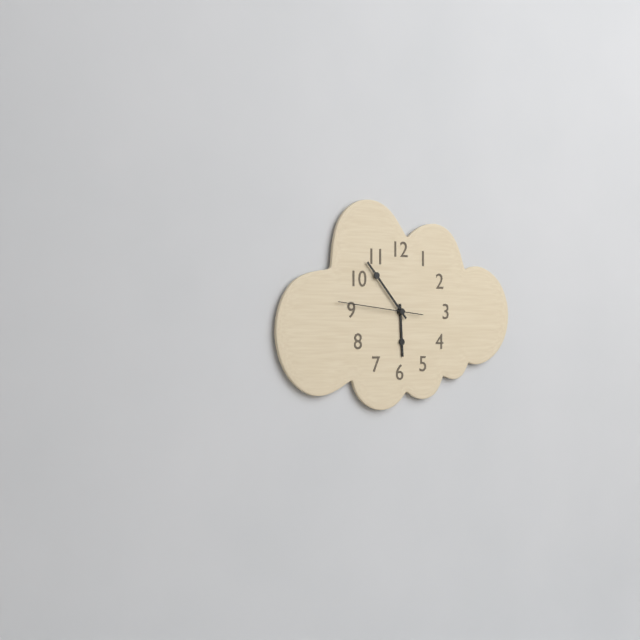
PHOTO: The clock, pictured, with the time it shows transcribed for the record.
5:53:46
